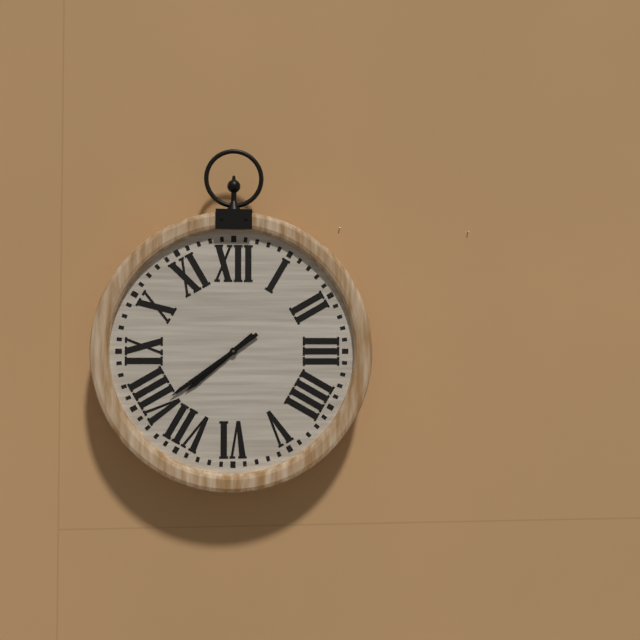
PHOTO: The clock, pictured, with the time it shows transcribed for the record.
7:39
